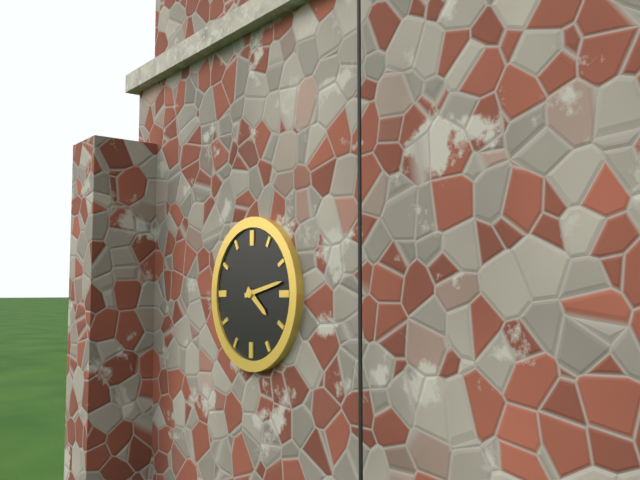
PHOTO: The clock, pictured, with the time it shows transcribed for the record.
4:13
